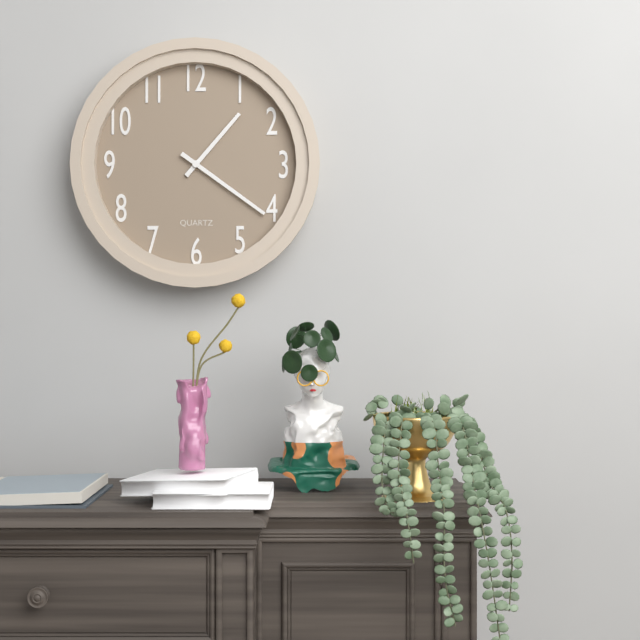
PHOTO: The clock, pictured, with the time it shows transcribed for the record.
1:21
